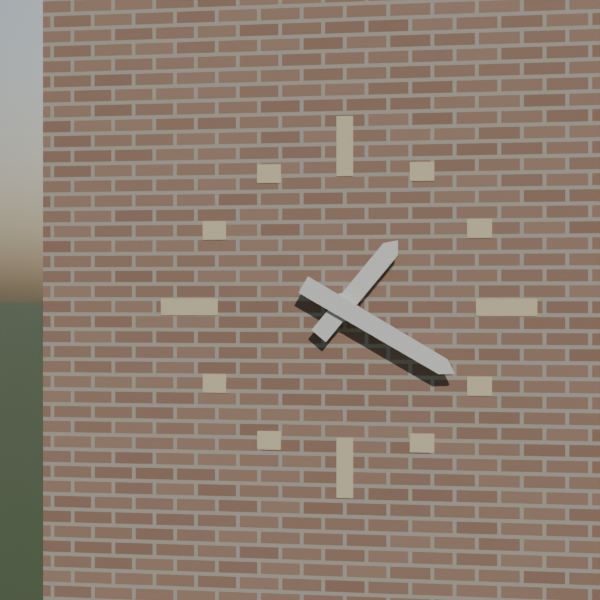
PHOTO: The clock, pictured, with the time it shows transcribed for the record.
1:20
